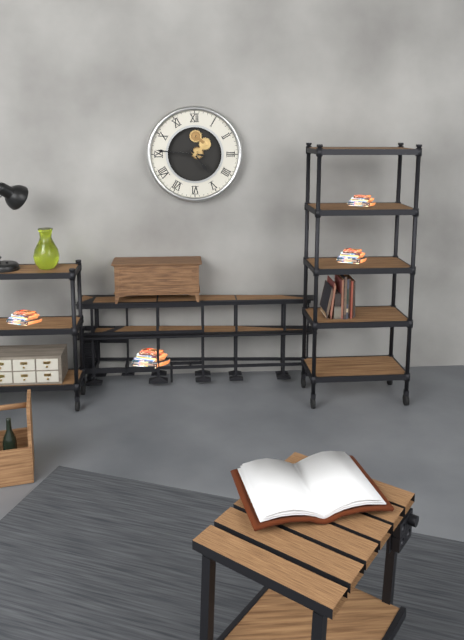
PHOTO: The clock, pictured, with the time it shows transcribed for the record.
4:46
